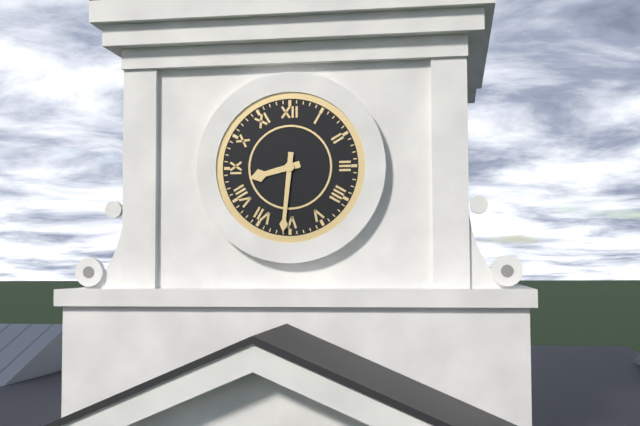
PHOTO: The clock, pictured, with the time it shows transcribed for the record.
8:31
